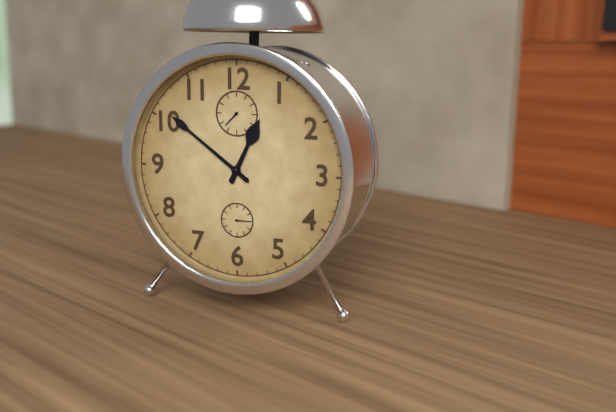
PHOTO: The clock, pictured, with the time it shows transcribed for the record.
12:51
